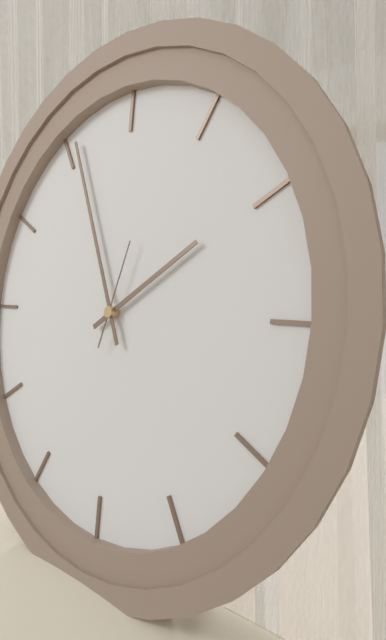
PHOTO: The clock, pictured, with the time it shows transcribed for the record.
1:56:03
